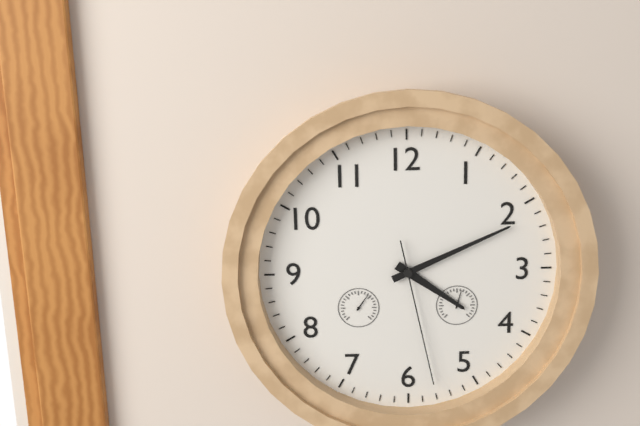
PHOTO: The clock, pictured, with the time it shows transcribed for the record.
4:11:28
